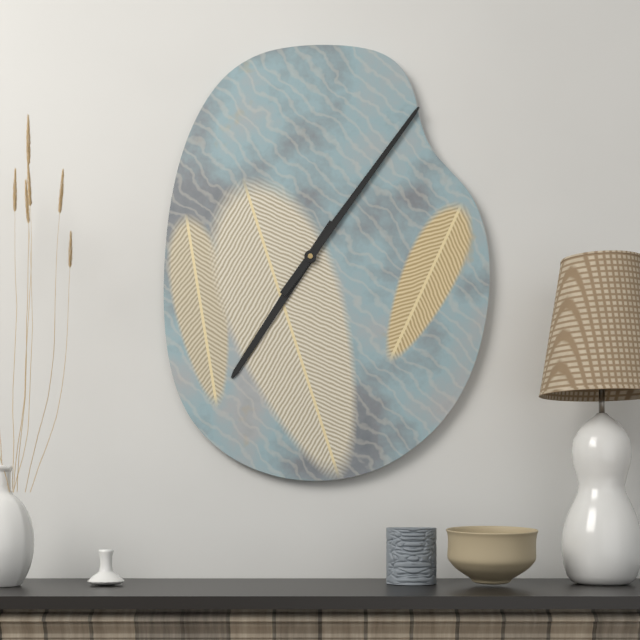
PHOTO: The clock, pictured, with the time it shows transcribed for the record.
7:06
